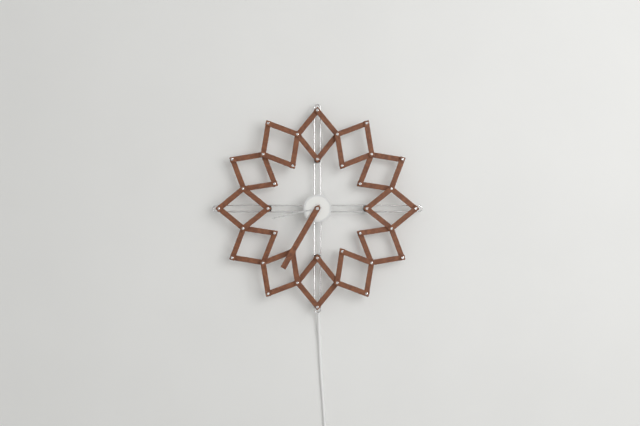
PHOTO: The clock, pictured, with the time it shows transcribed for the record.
8:35
